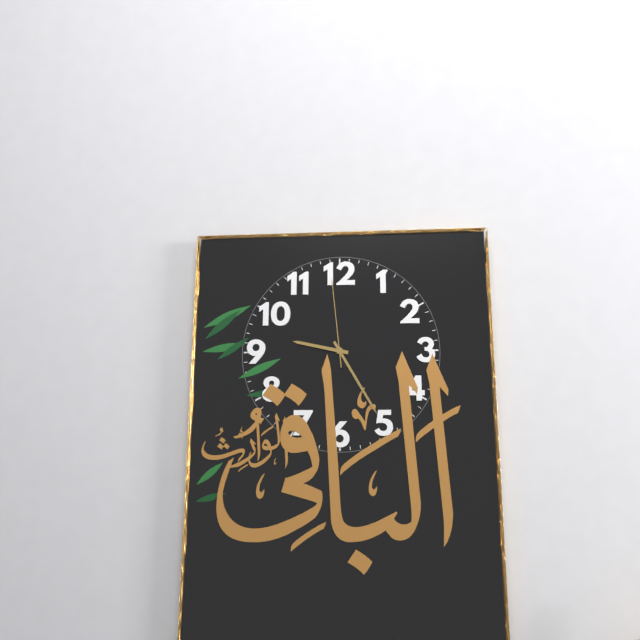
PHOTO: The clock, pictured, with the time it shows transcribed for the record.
9:25:59
